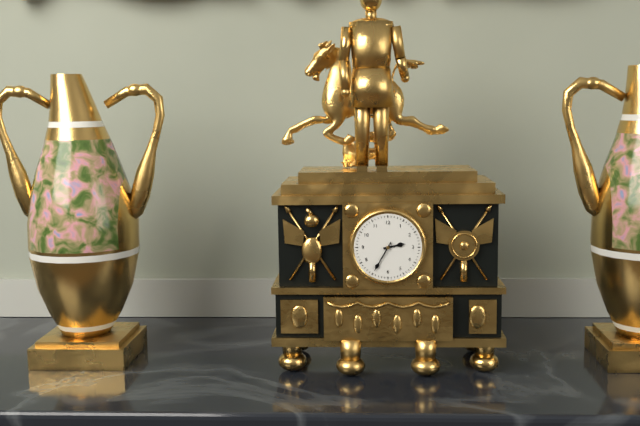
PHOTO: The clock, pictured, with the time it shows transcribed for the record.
2:35
